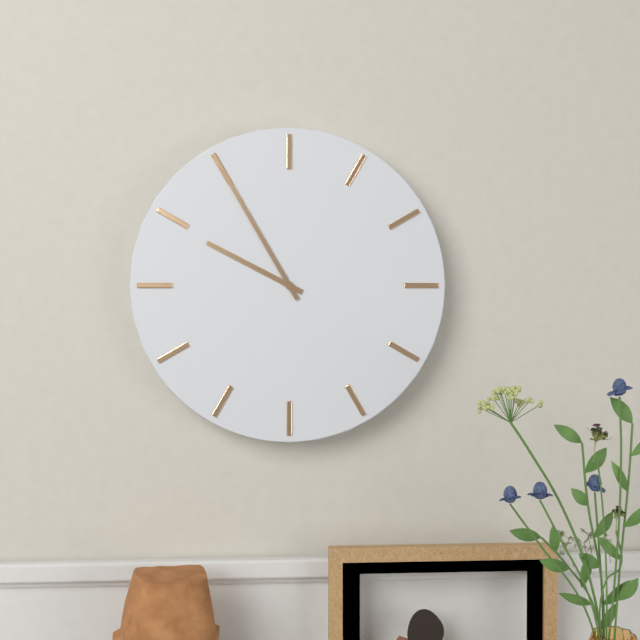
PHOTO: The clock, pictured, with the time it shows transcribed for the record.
9:55
